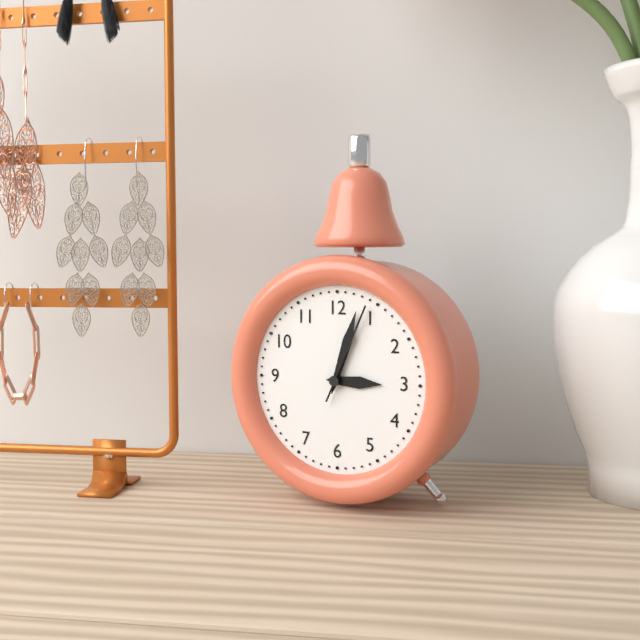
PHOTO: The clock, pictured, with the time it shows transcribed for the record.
3:03:04
